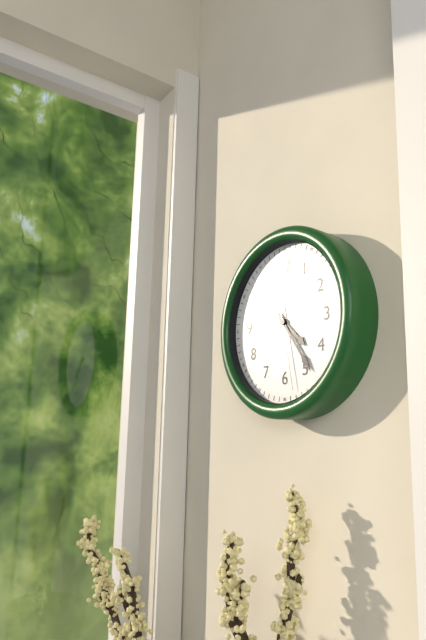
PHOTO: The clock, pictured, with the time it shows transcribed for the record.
4:24:28
